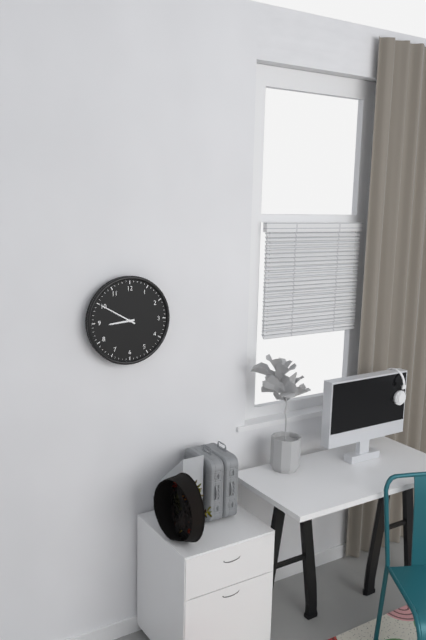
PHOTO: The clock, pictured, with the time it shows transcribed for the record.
8:50
